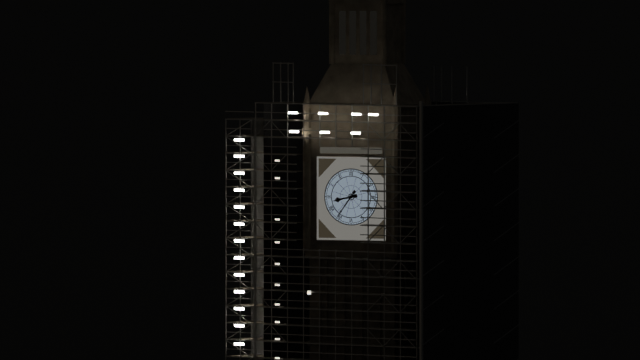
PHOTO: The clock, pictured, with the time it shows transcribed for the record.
8:36
